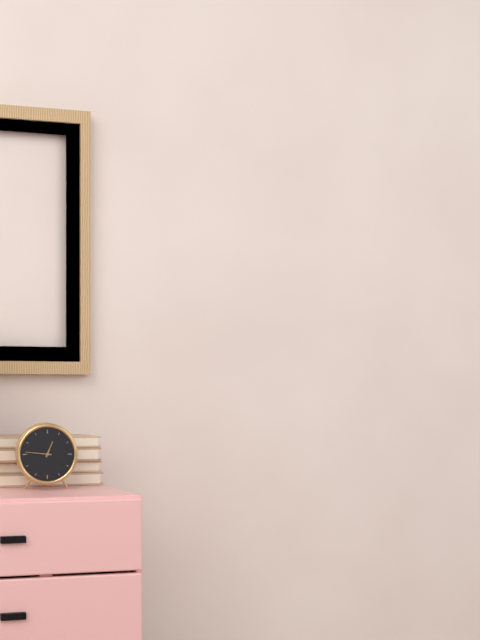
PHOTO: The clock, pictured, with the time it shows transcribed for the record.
12:46
